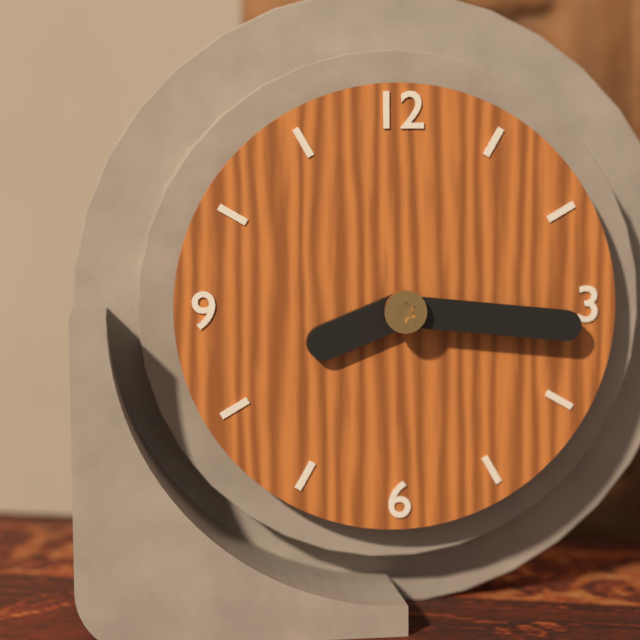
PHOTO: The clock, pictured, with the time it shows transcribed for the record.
8:16
